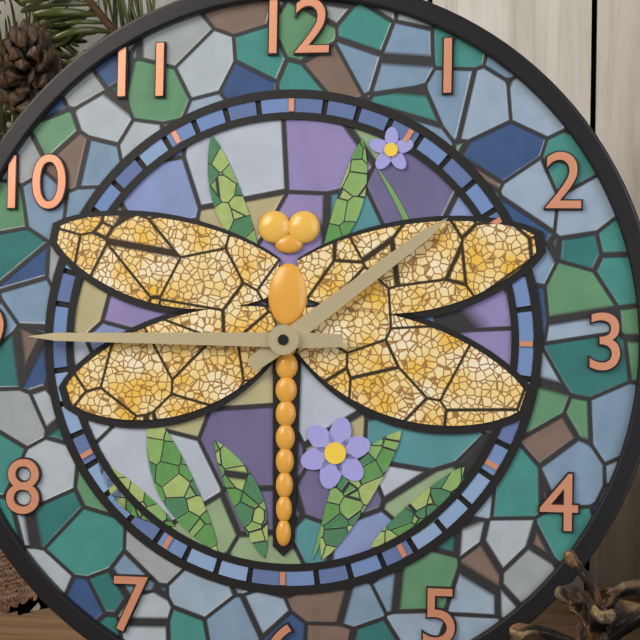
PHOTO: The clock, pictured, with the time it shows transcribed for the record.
1:45
